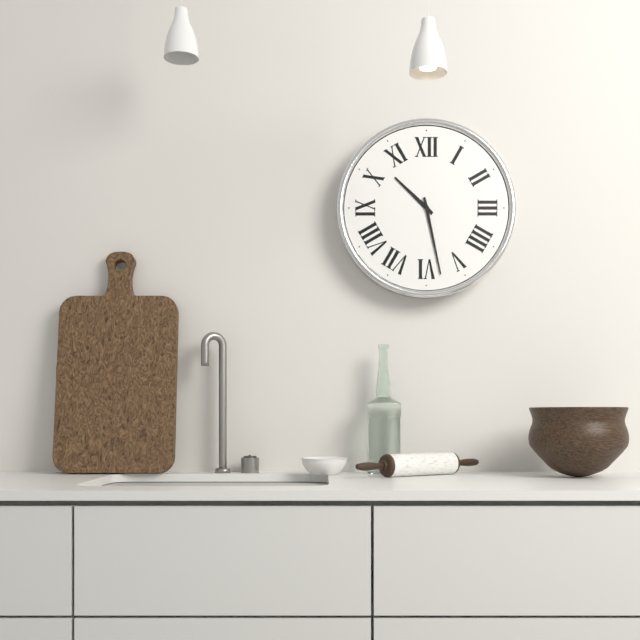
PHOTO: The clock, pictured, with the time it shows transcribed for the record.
10:28
